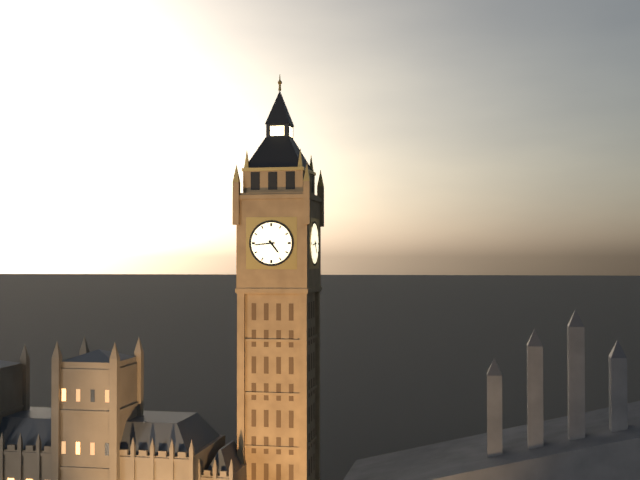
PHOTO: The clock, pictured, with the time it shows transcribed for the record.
4:44
